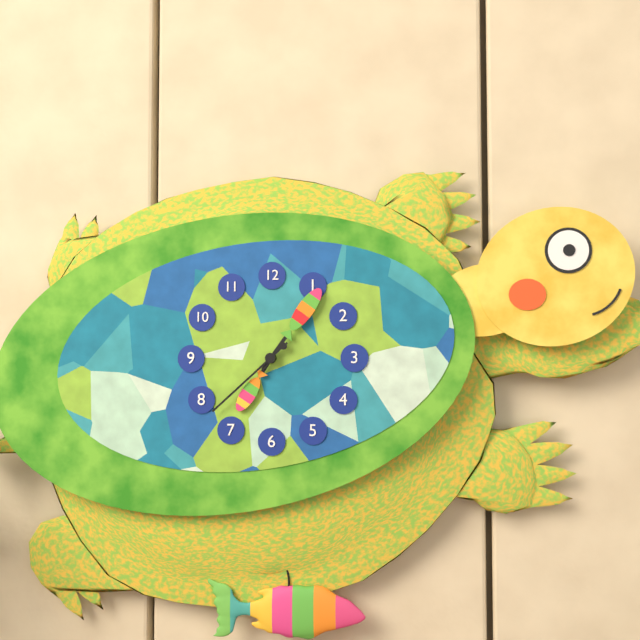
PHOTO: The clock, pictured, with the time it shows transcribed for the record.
7:06:38
